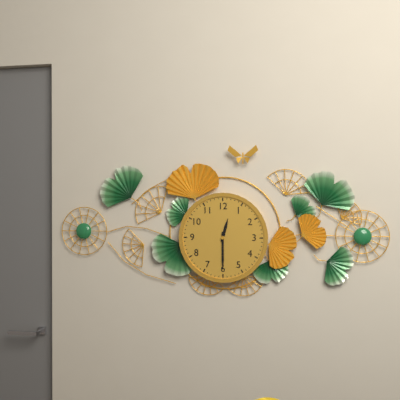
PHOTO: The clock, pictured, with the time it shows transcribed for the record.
12:30
